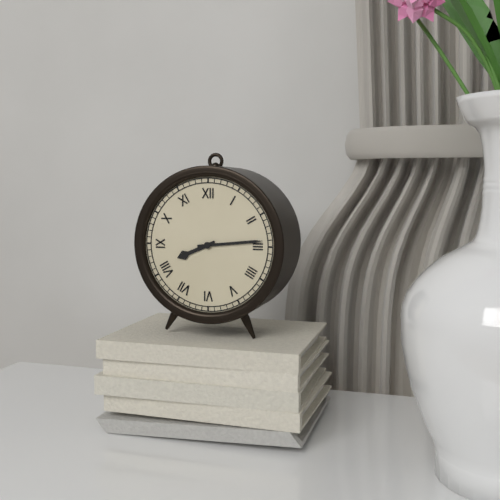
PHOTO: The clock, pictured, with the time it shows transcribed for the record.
8:14
